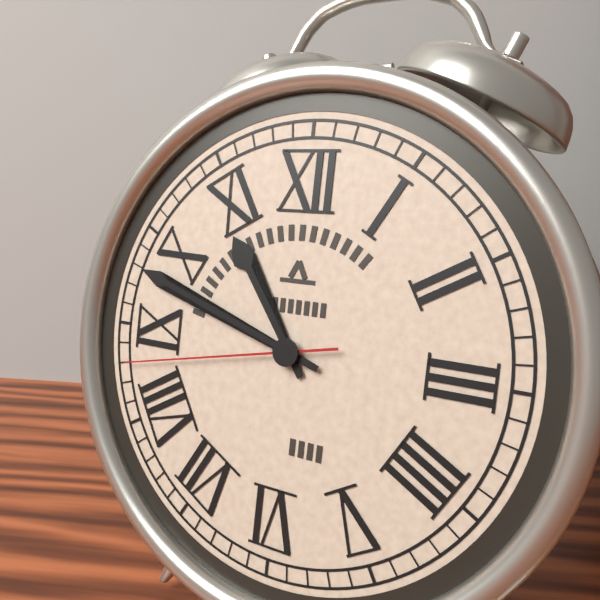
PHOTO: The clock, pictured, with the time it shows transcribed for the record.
10:48:43
